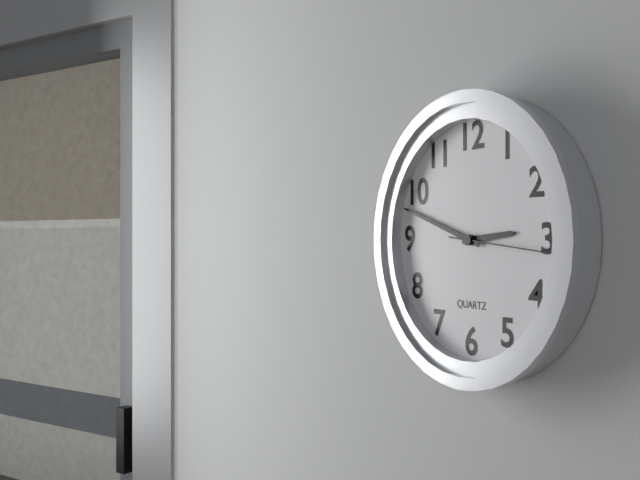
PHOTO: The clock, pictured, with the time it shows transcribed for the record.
2:48:16
